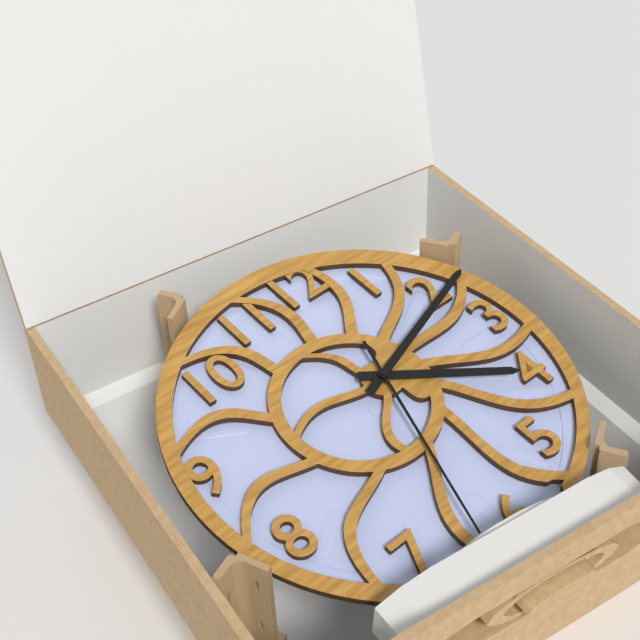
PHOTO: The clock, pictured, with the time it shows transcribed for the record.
4:12:33
